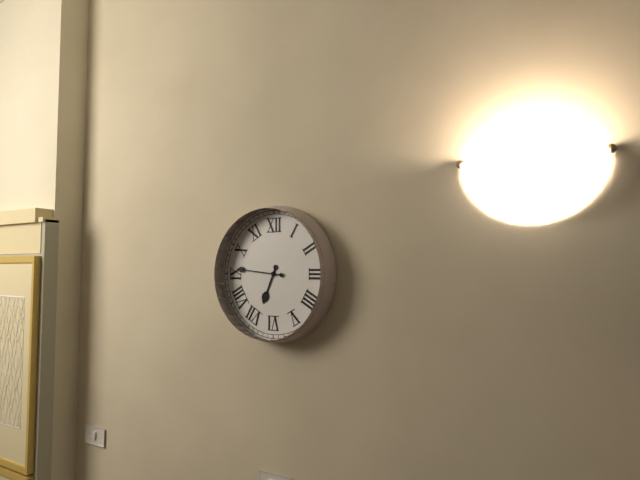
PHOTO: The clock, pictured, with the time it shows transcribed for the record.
6:46
